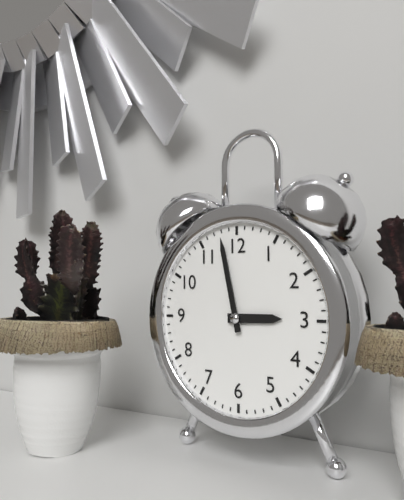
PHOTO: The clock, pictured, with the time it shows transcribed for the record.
2:58
